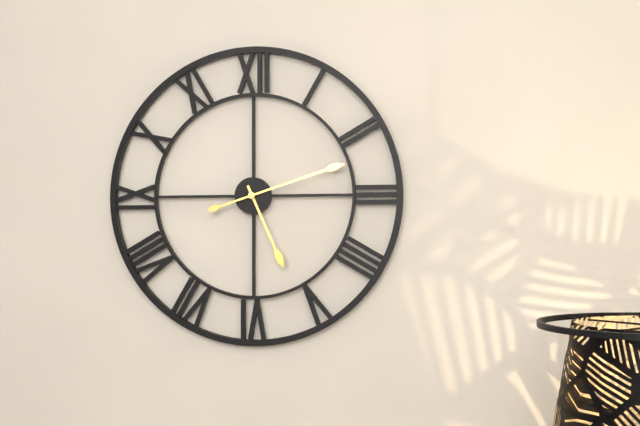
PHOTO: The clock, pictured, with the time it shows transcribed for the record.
5:12
